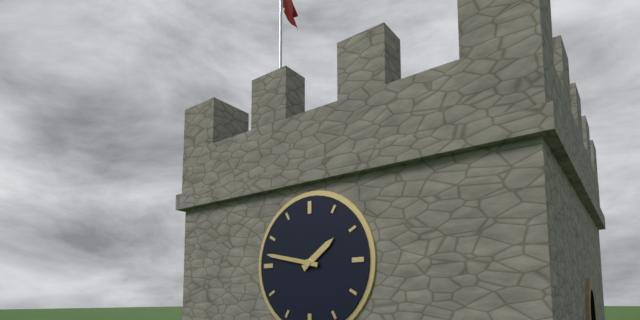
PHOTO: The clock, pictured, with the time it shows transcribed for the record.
1:47
